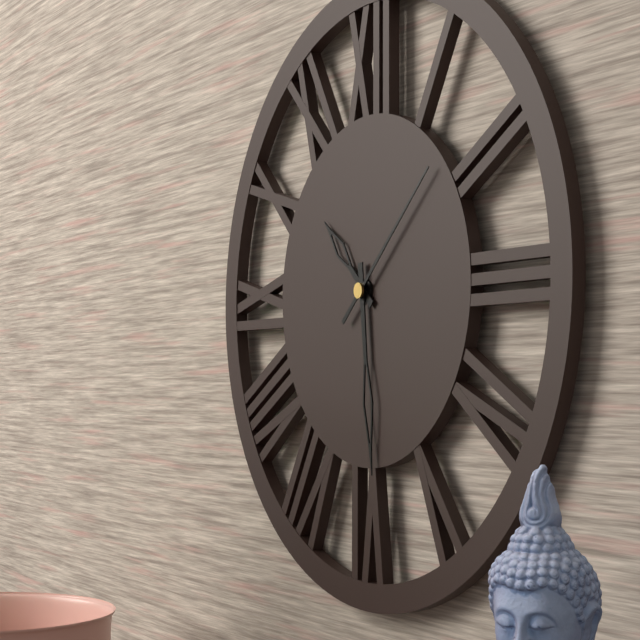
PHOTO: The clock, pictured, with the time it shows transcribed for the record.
10:29:08
